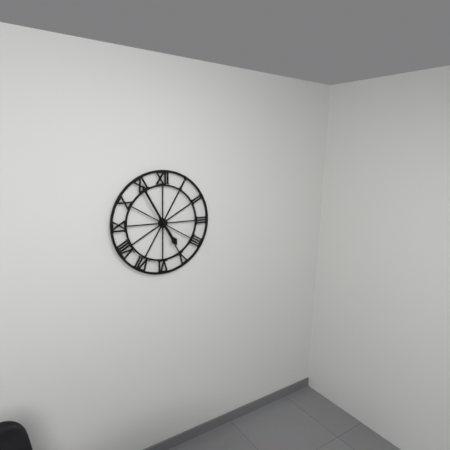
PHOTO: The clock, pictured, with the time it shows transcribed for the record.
4:55
